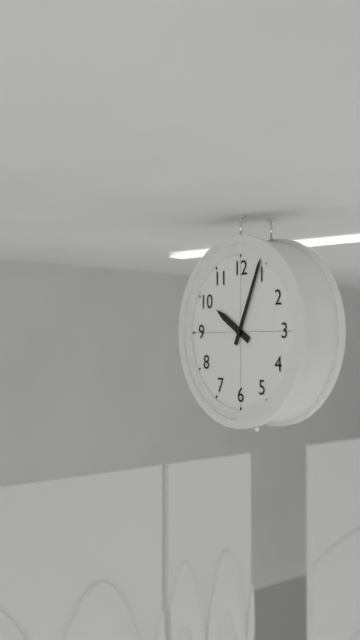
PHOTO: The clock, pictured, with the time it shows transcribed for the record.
10:04
